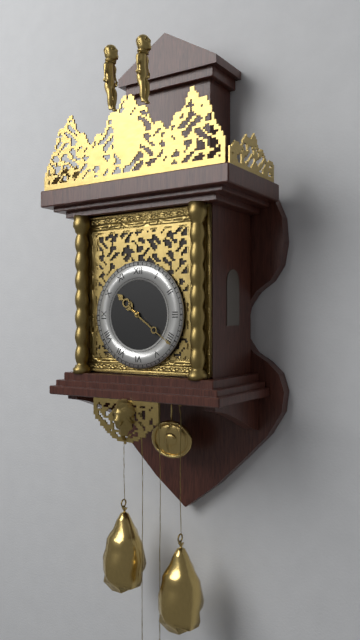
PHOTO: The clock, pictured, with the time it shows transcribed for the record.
10:21
